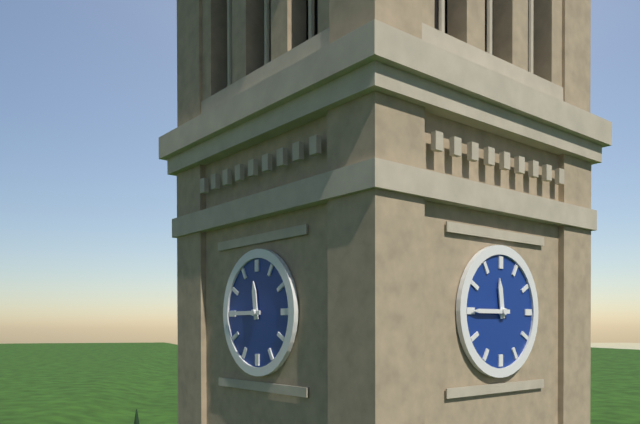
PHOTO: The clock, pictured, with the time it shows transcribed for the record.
11:45
